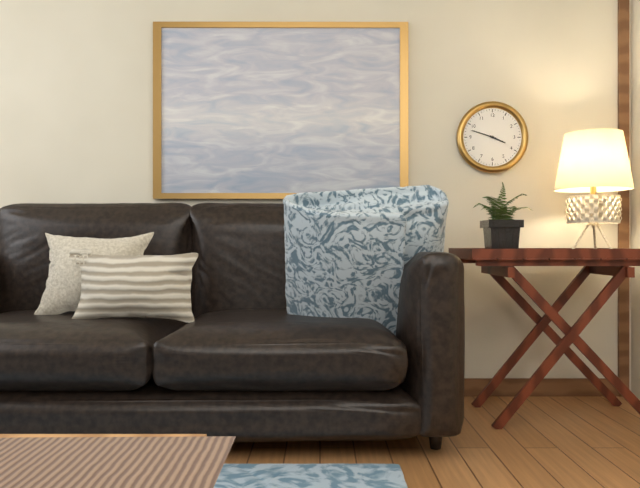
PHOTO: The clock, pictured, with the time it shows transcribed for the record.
3:48
